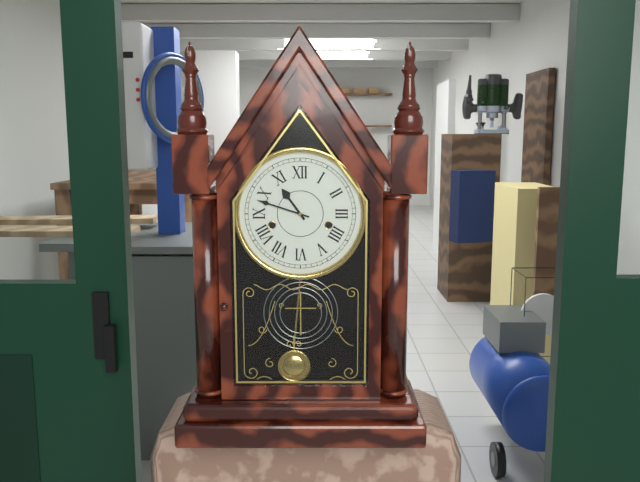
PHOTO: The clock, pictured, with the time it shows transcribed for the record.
10:48
